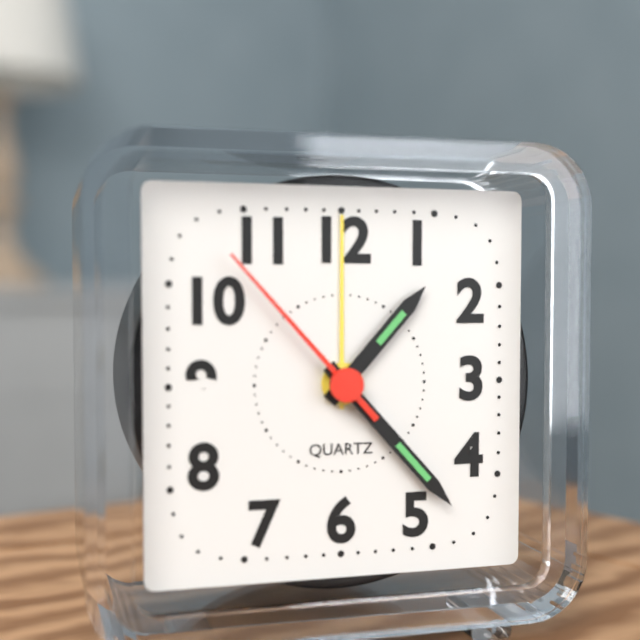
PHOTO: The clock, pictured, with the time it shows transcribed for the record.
1:23:53
